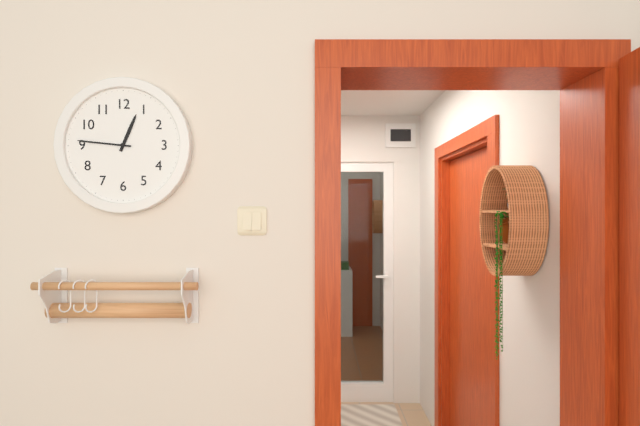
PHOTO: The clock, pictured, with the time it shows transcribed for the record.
12:46
